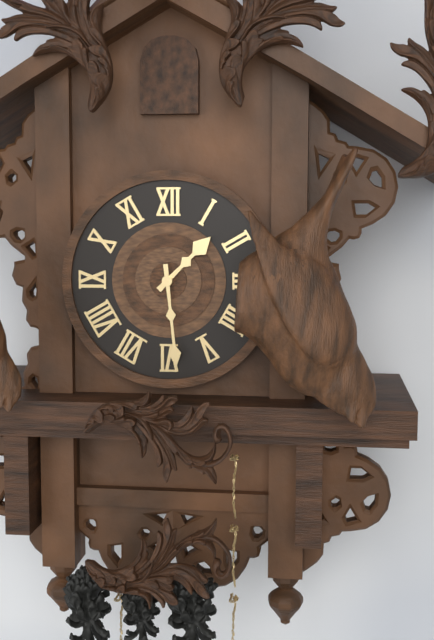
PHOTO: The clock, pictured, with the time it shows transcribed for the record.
1:29
